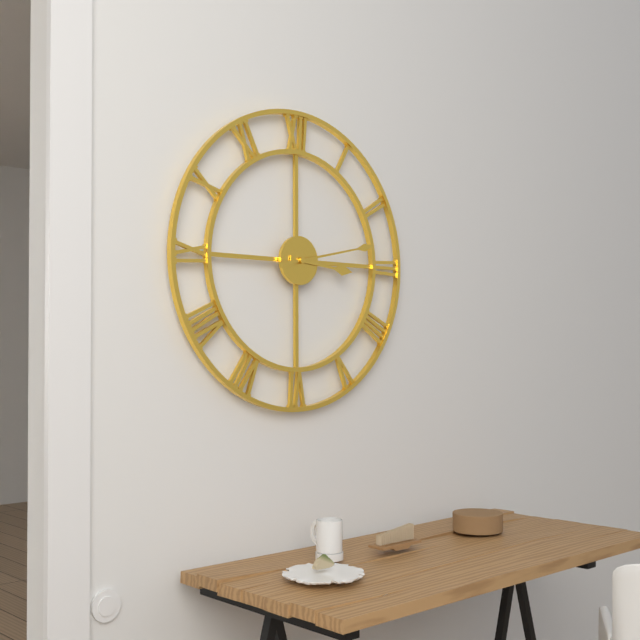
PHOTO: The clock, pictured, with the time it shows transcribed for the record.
3:13
